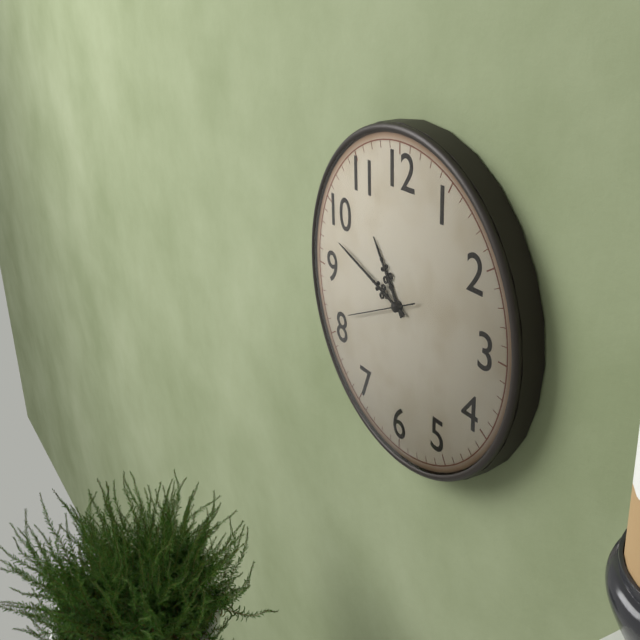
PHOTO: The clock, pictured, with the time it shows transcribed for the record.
10:48:41
